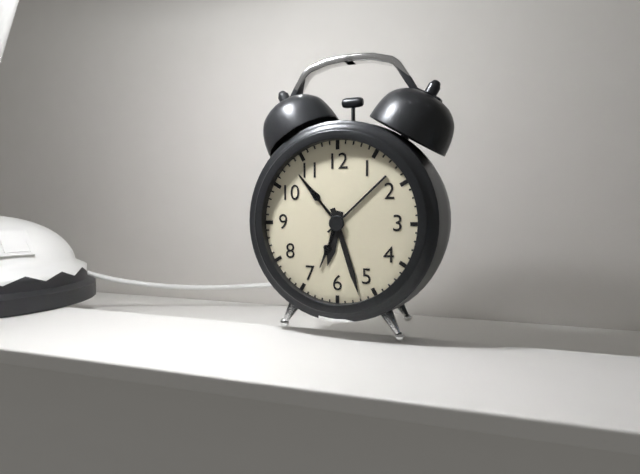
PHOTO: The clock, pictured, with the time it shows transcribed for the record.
6:27
